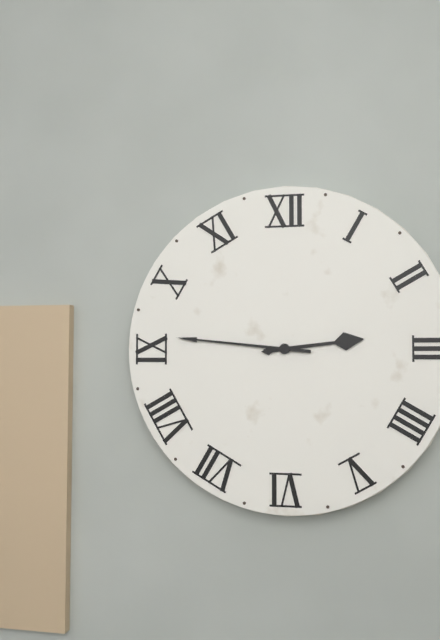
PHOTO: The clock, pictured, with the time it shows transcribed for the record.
2:46
